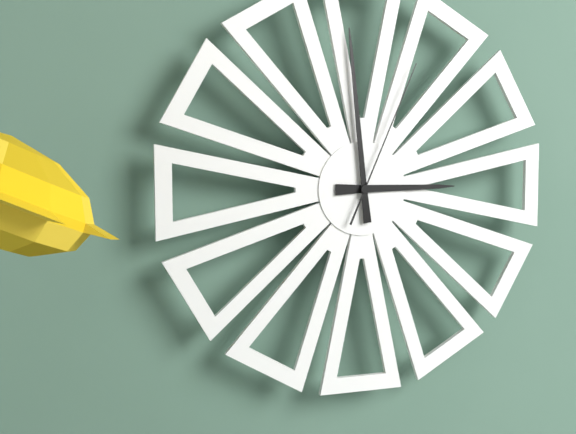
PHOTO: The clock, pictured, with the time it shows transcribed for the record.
2:59:04
